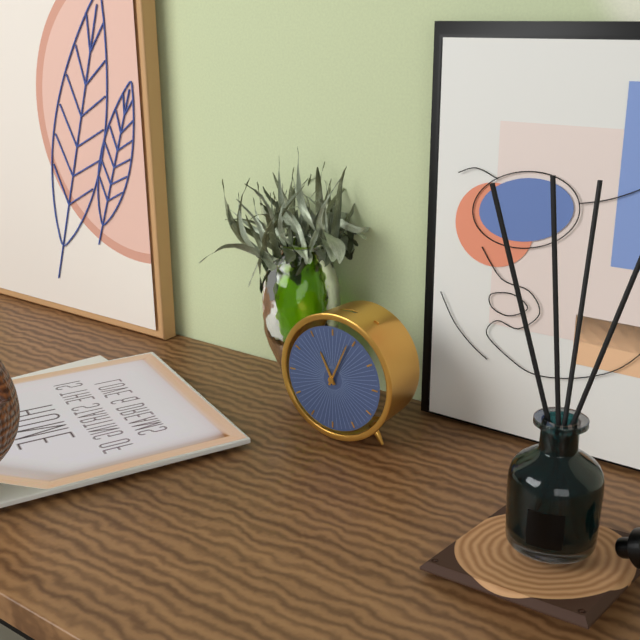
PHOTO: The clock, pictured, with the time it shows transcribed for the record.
11:04
